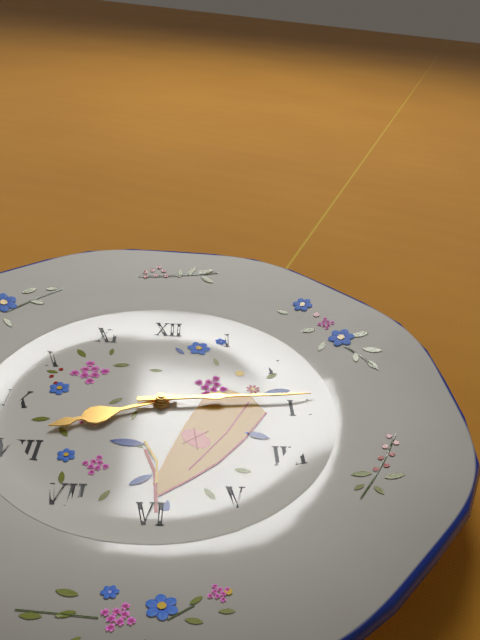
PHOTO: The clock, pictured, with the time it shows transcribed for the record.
8:14
